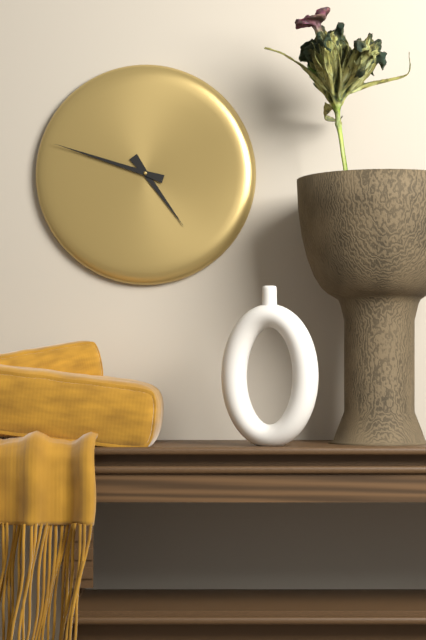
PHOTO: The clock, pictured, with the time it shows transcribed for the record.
4:48
